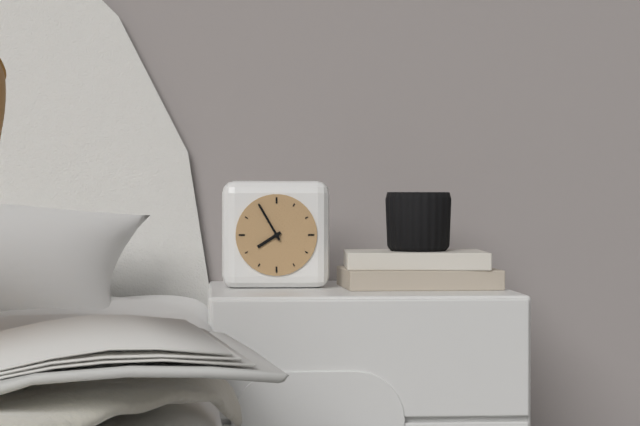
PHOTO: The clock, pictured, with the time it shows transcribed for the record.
7:55
